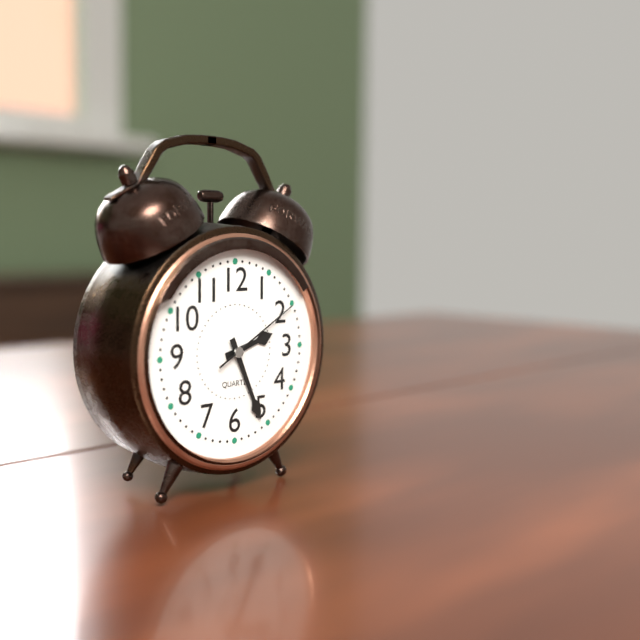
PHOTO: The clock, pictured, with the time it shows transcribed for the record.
2:26:10
